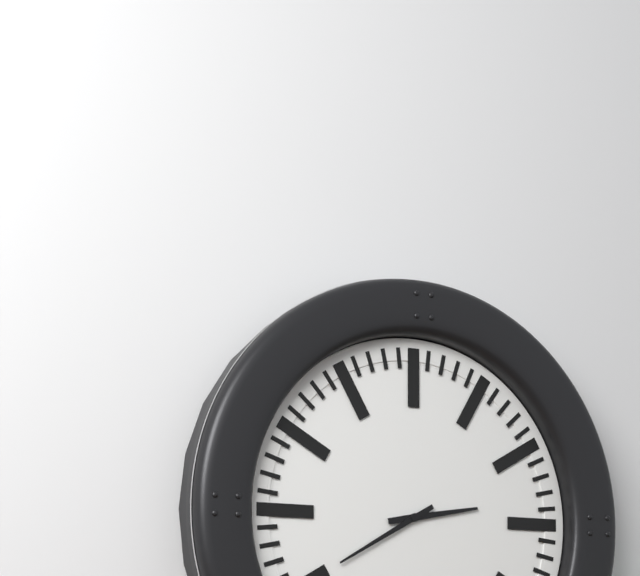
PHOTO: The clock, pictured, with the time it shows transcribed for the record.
2:40
